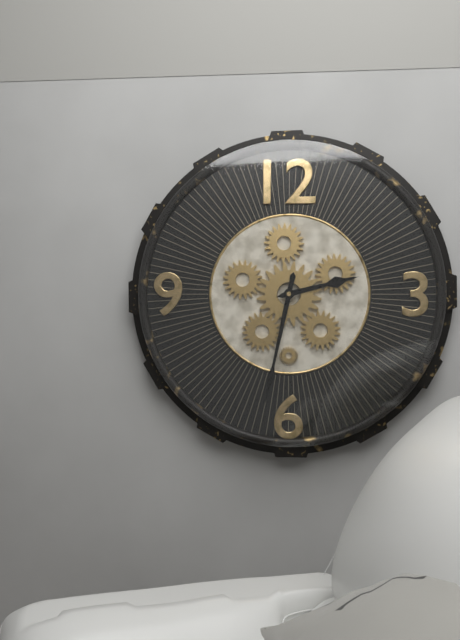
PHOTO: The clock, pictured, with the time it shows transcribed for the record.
2:32
